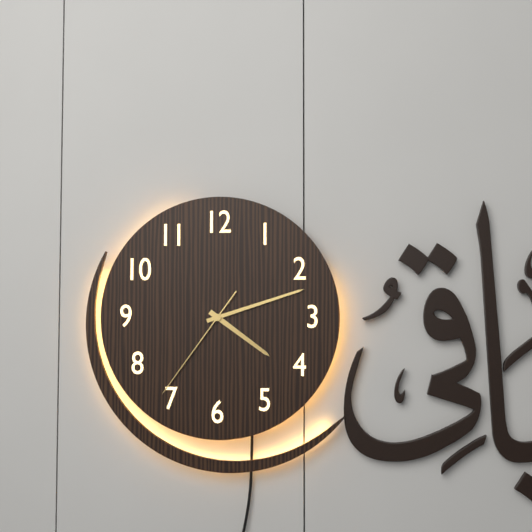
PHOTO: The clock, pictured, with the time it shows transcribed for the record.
4:12:36
